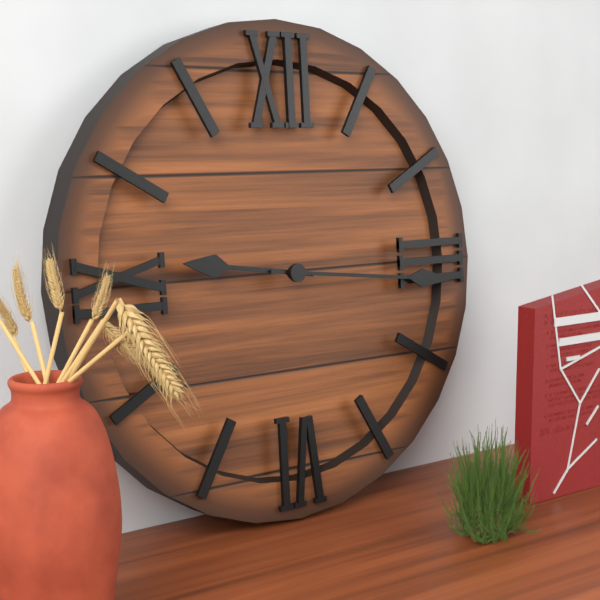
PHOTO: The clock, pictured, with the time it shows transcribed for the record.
9:16
